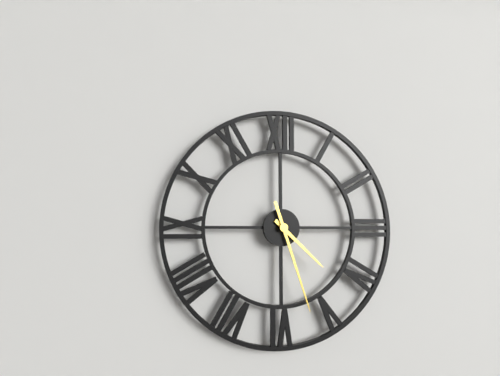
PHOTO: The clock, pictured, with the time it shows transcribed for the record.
4:27
